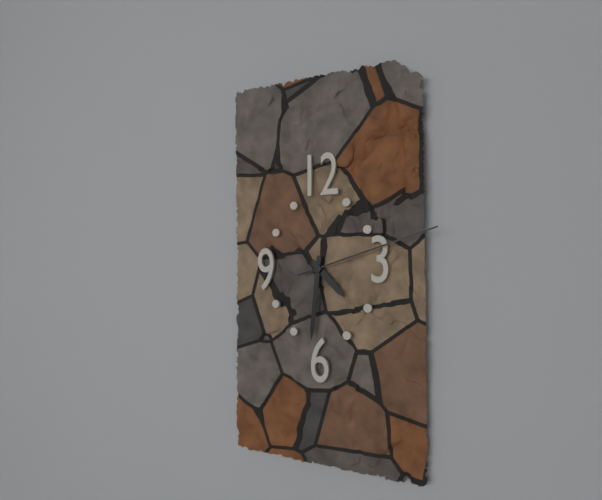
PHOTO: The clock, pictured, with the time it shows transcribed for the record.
4:31:12
